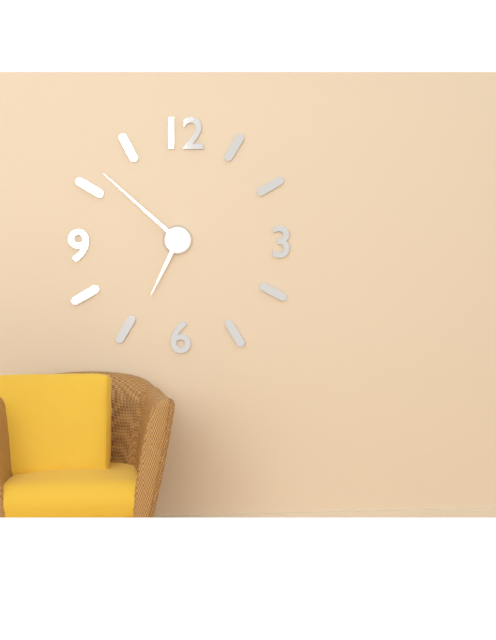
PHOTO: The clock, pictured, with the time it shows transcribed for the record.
6:52
